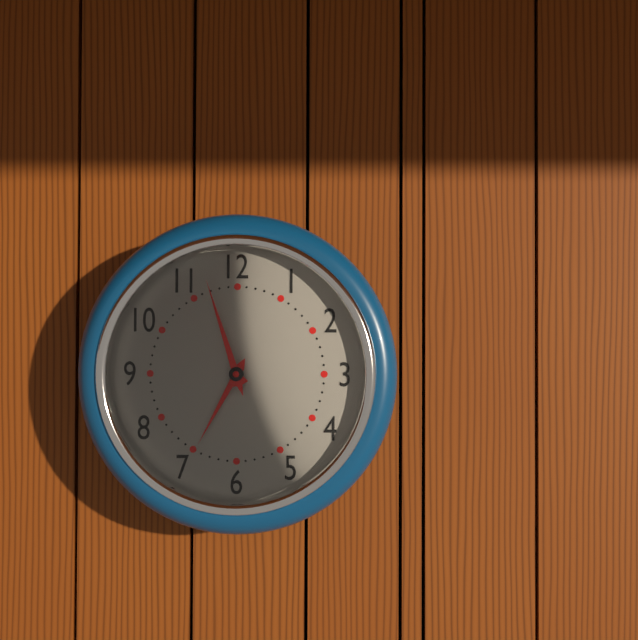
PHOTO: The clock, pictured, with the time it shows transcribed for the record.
6:57
